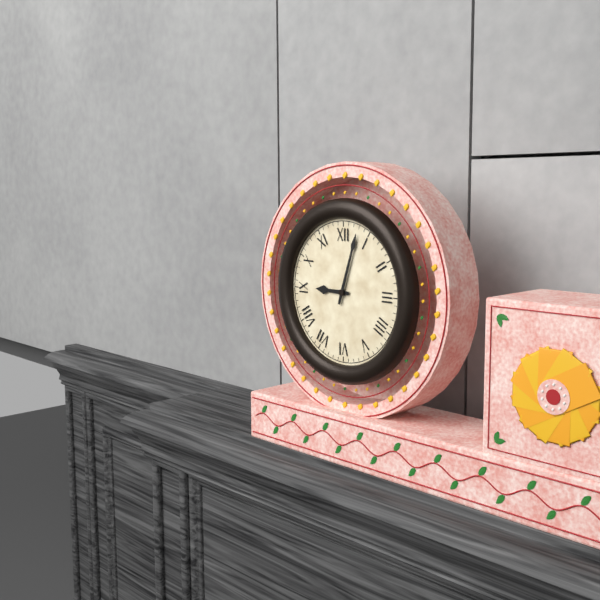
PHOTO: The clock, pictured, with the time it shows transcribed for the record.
9:03
